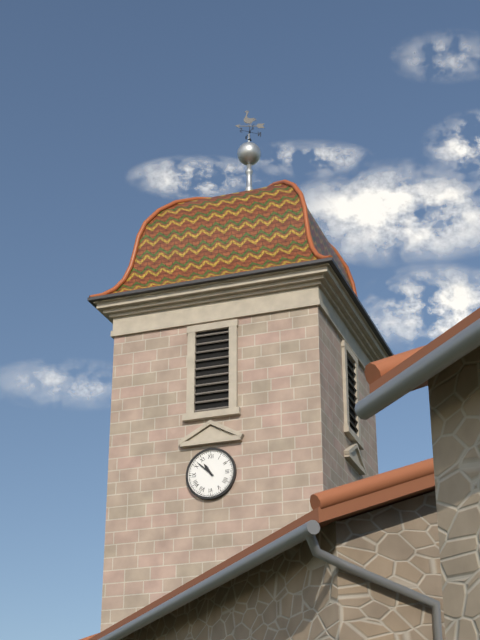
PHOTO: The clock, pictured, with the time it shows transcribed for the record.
10:52
